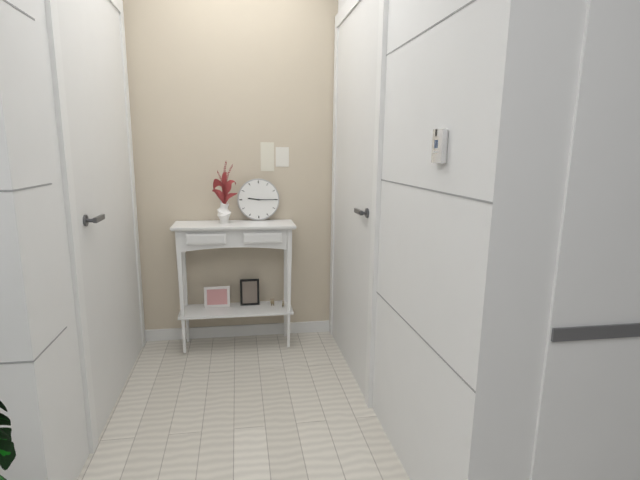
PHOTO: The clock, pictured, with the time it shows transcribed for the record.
9:15
